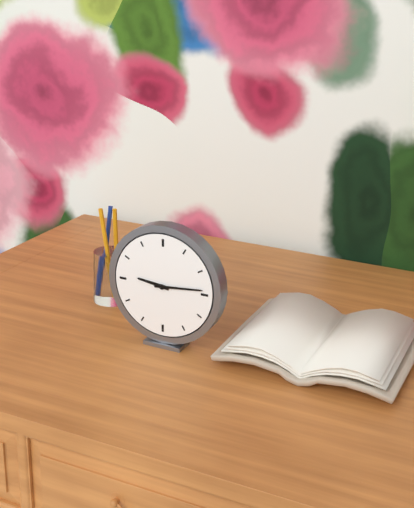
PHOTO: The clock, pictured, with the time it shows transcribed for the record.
9:14
